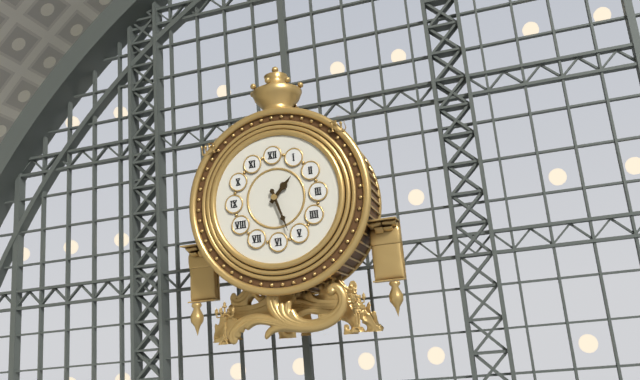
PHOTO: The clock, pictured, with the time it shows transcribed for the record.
1:27
